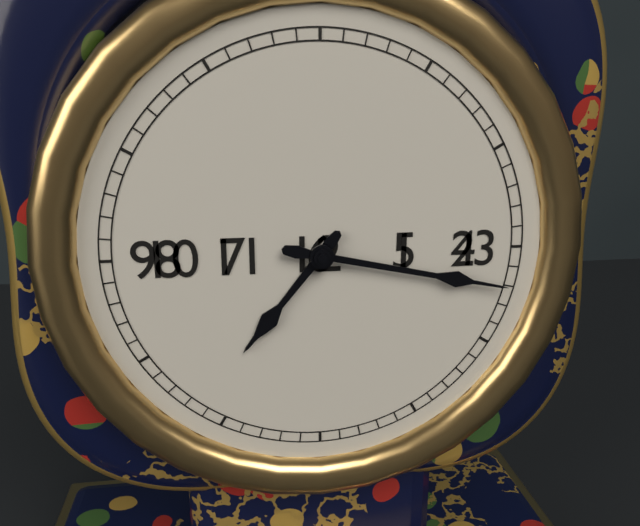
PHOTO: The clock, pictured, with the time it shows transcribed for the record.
7:17
